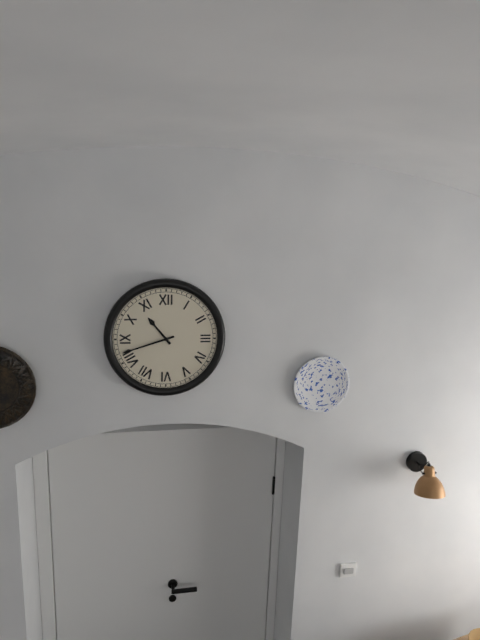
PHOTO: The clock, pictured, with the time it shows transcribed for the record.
10:42
